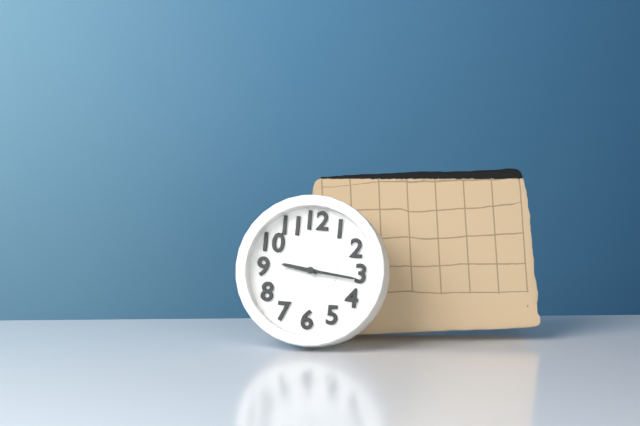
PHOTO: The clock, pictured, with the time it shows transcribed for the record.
9:16
